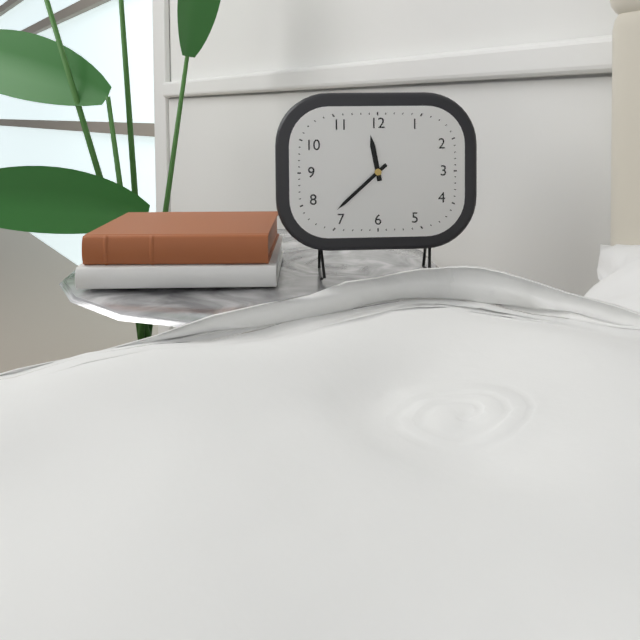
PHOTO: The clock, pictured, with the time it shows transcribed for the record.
11:38
